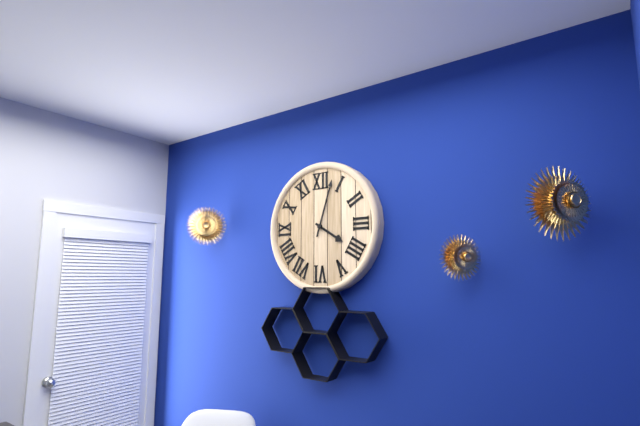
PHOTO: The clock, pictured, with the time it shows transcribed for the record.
4:03
